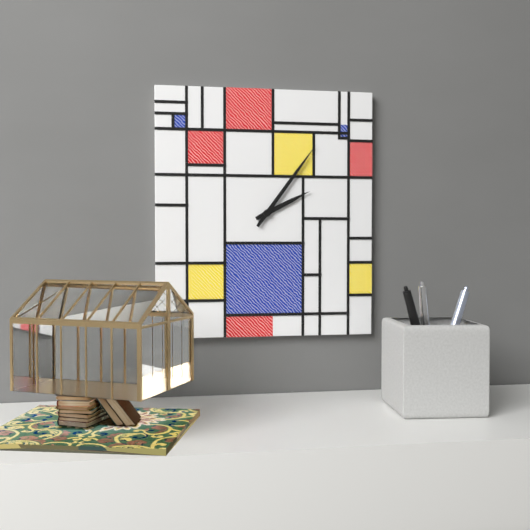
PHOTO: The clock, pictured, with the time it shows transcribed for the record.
2:06
